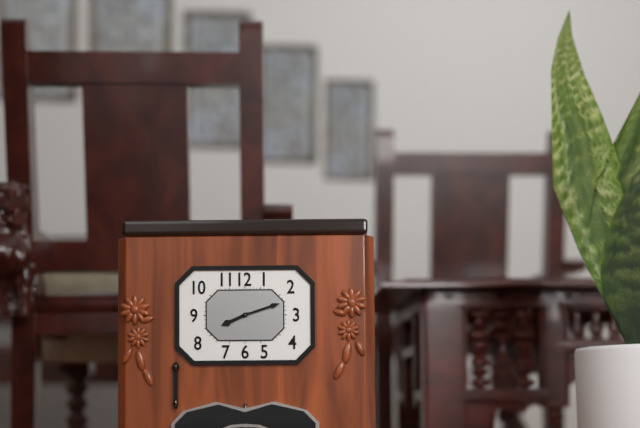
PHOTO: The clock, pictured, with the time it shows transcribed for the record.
8:12
